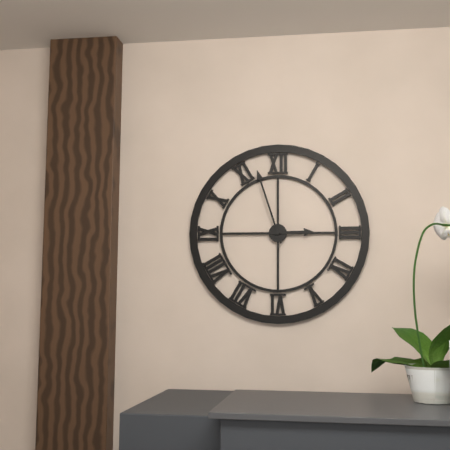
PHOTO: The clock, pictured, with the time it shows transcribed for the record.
2:57
